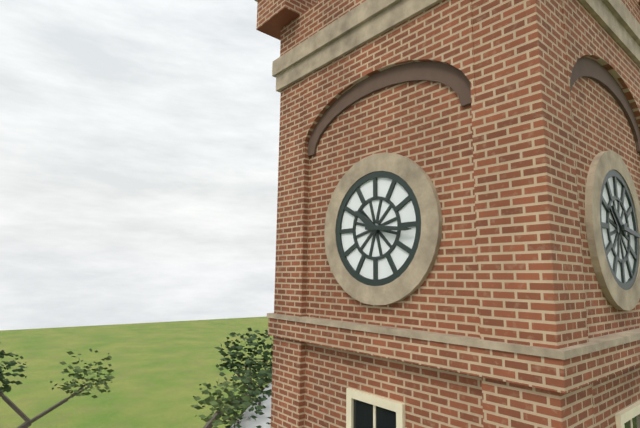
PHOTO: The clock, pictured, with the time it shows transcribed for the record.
10:16
